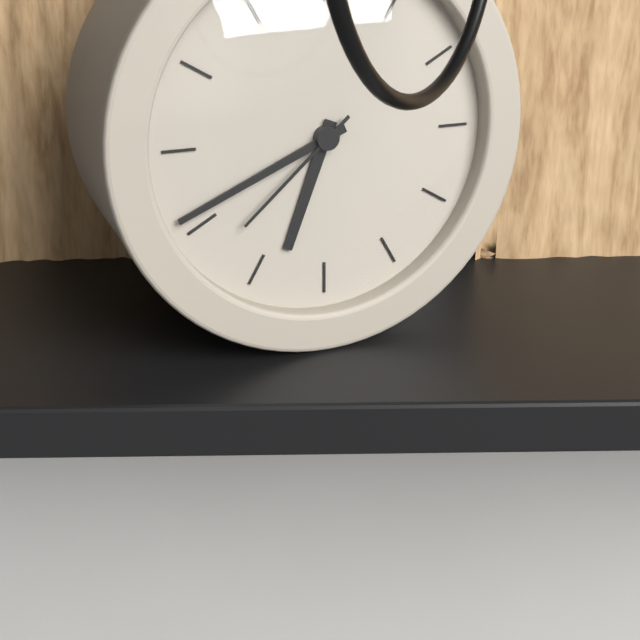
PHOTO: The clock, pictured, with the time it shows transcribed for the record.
6:41:38
